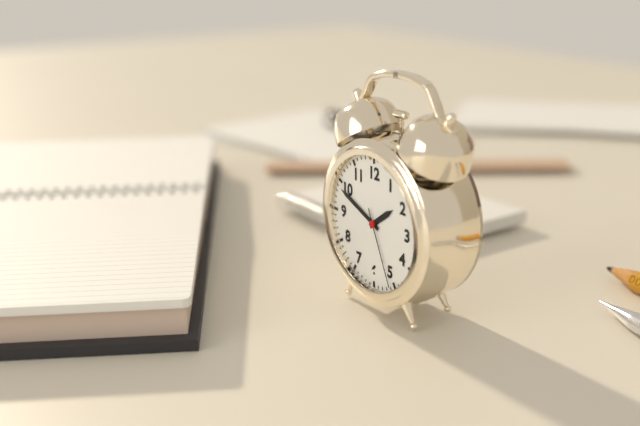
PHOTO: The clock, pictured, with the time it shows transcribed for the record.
1:49:26
